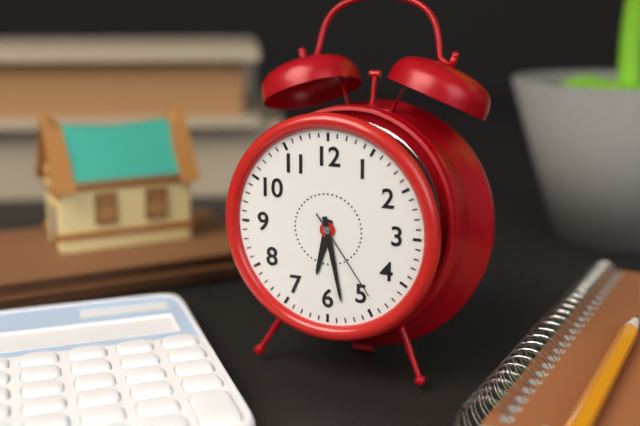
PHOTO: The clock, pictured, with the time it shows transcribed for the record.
6:28:24
